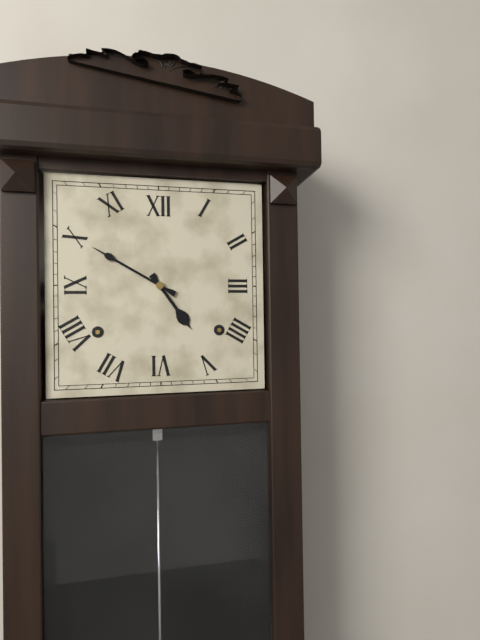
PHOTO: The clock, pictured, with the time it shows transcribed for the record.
4:50
